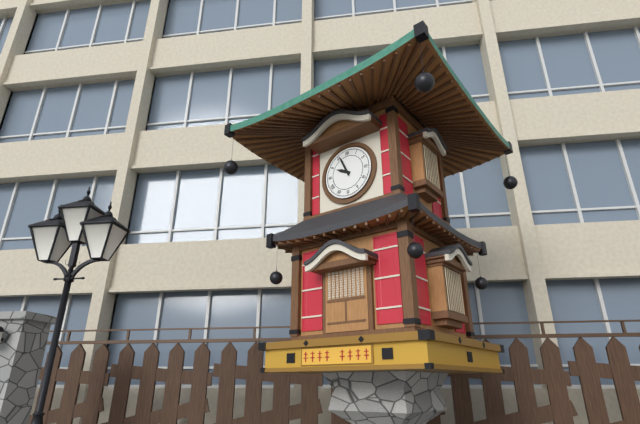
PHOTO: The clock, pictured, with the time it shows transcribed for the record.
9:56
